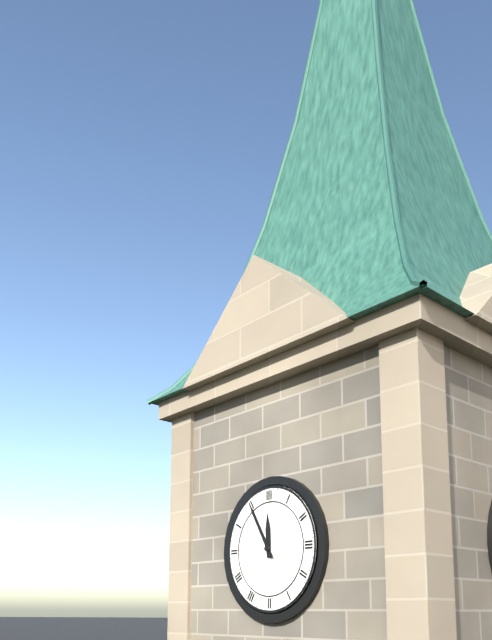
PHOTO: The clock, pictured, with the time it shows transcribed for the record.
11:55
